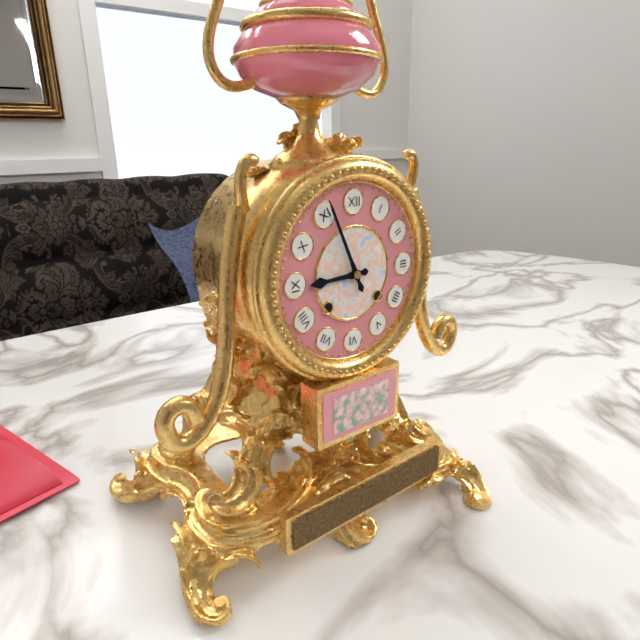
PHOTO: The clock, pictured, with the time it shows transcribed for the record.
8:56
